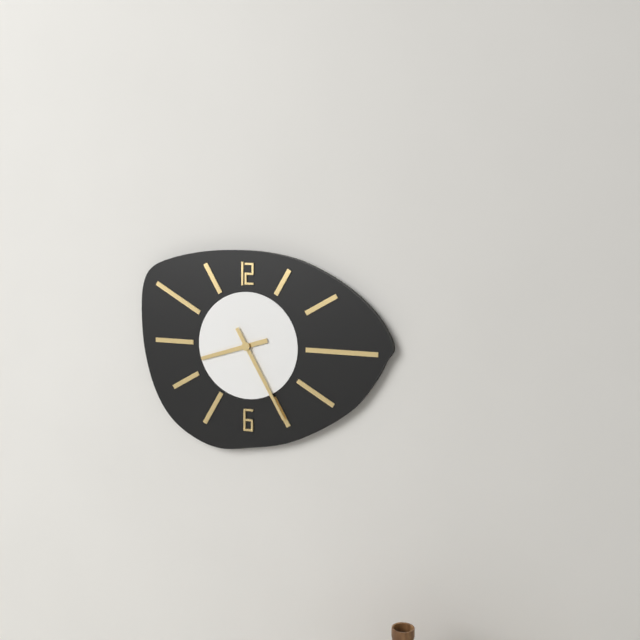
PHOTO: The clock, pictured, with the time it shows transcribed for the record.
8:25
